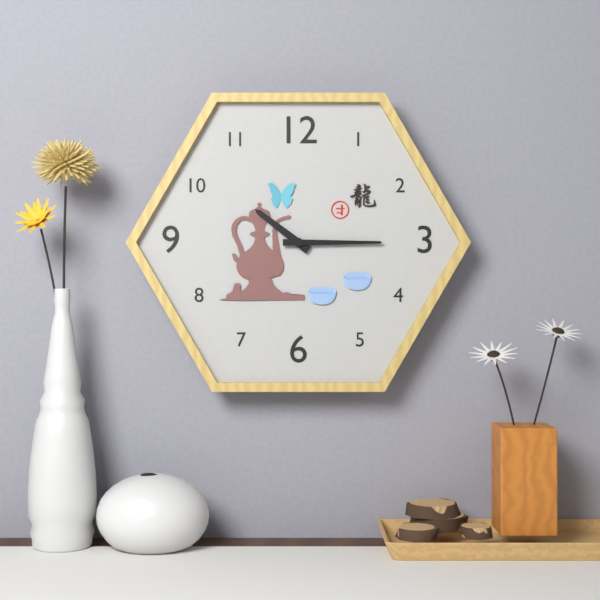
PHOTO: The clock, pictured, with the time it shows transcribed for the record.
10:15
